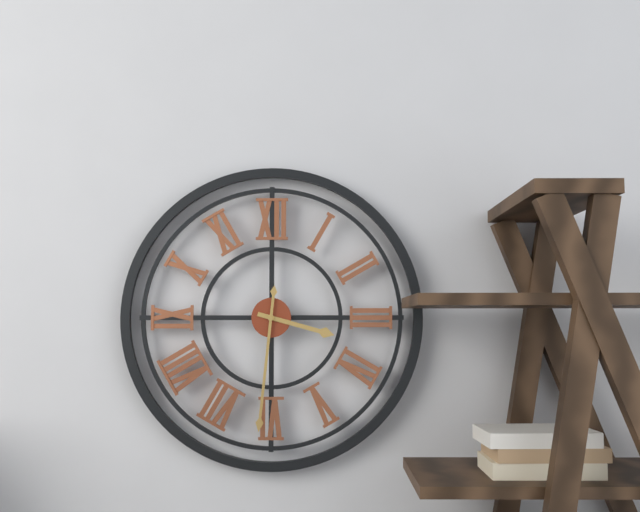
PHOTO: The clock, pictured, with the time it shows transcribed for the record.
3:31
